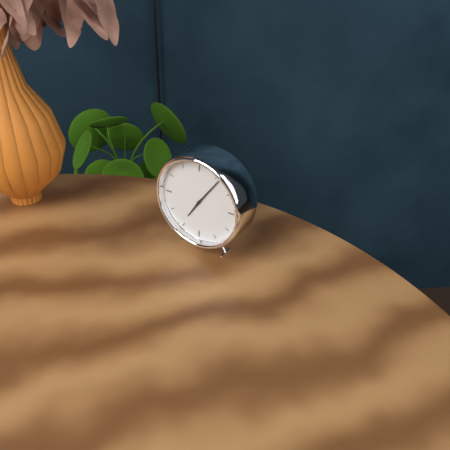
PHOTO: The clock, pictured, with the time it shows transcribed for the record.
7:06
